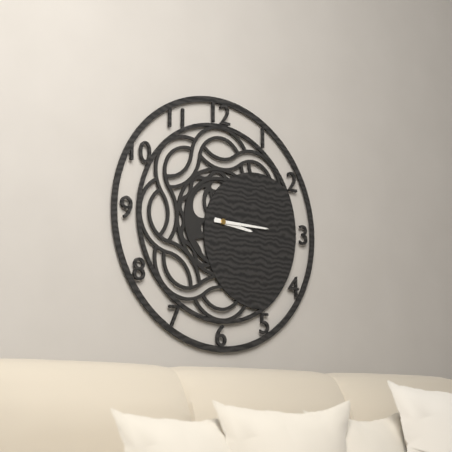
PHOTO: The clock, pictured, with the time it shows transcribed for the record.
3:15
